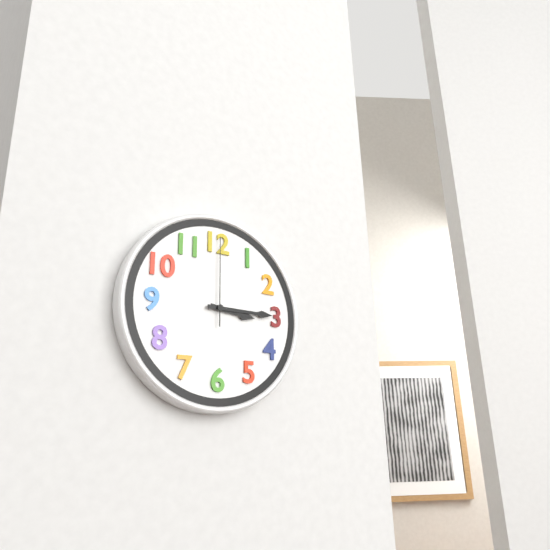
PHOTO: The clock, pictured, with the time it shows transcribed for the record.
3:15:00
